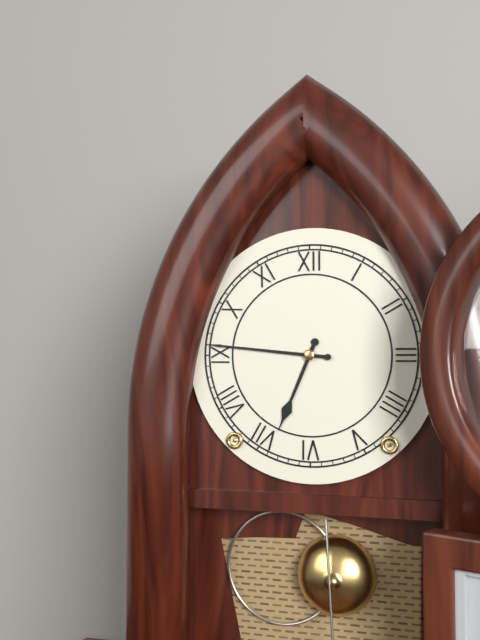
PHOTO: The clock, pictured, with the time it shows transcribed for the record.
6:46
